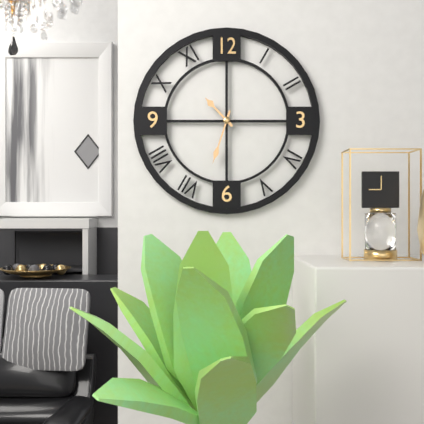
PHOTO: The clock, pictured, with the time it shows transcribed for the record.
10:33
